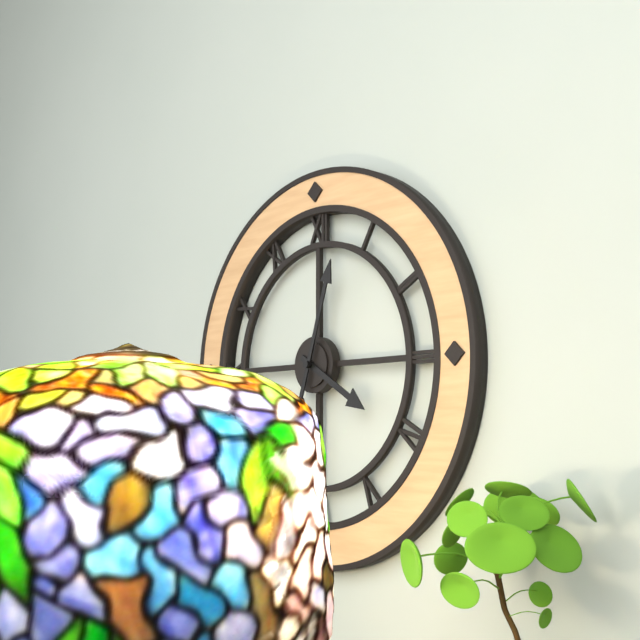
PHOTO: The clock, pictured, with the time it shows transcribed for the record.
4:03
